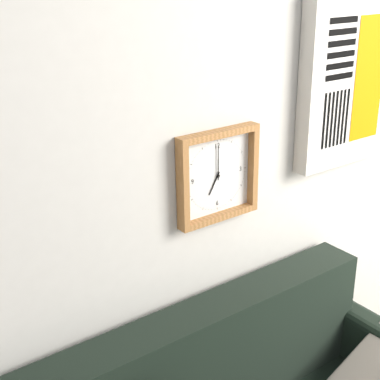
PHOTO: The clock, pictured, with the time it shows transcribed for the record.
7:00
